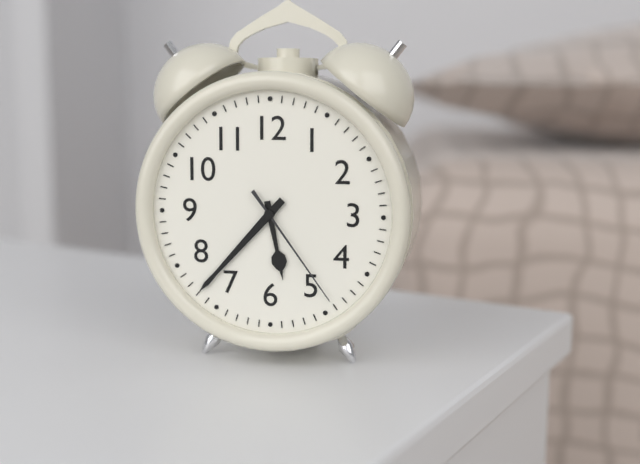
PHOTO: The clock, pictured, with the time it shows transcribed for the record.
5:37:24
